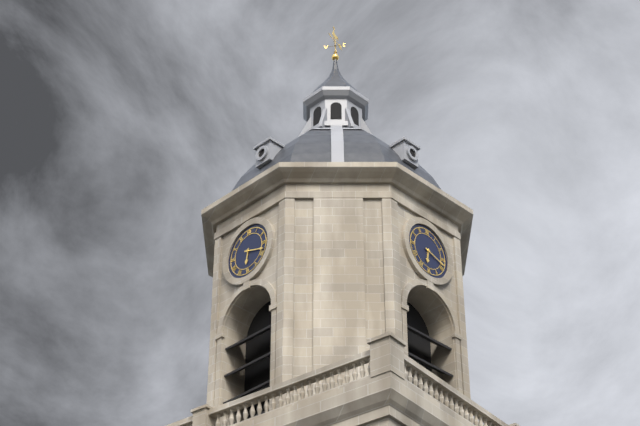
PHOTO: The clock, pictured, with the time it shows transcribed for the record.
6:18
